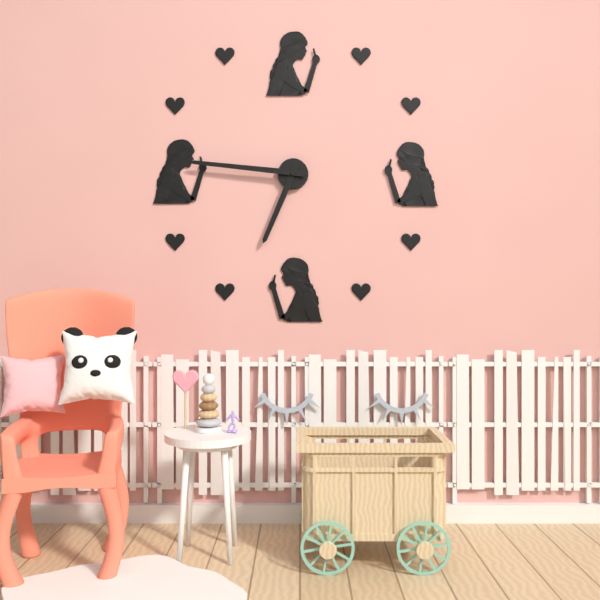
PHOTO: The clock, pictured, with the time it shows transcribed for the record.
6:46
